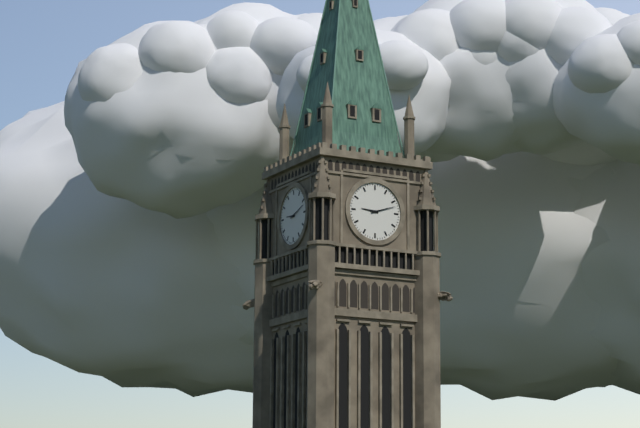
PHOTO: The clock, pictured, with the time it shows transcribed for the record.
9:12
